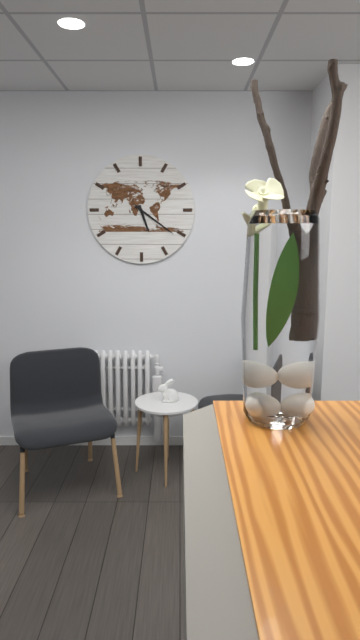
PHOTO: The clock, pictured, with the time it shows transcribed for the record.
5:21
